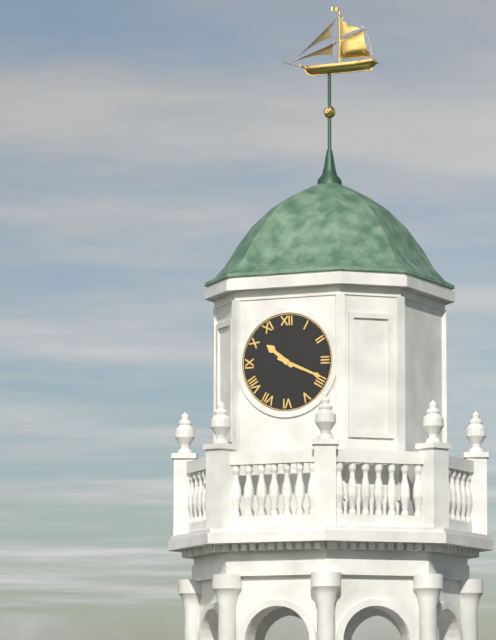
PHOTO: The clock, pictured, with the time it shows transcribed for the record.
10:19
